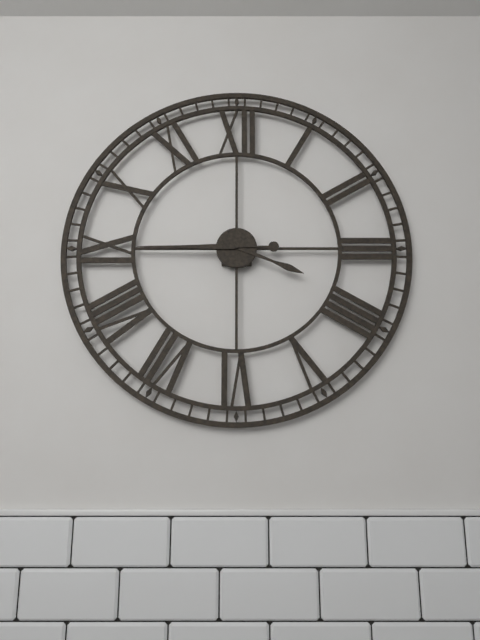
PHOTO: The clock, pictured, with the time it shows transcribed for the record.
3:45
